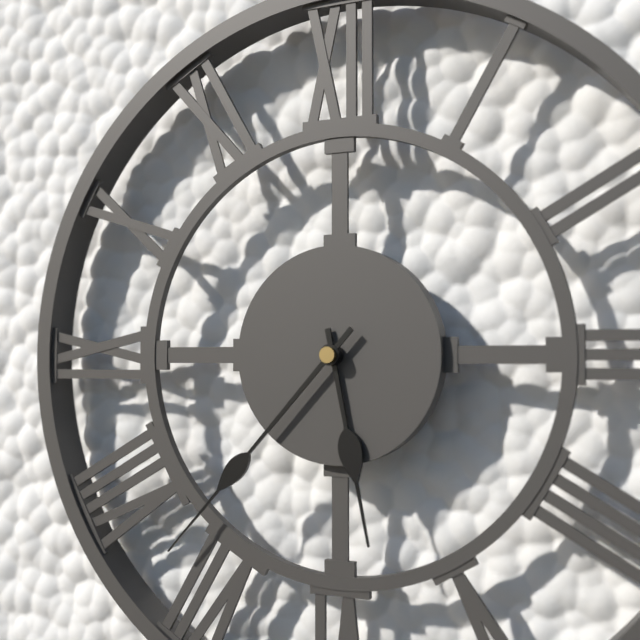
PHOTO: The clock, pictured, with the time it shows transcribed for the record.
5:37
